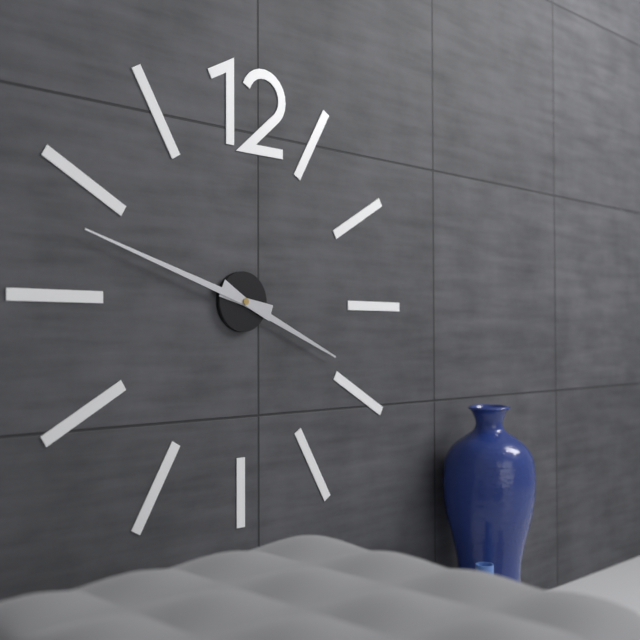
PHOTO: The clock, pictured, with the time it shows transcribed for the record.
3:48
